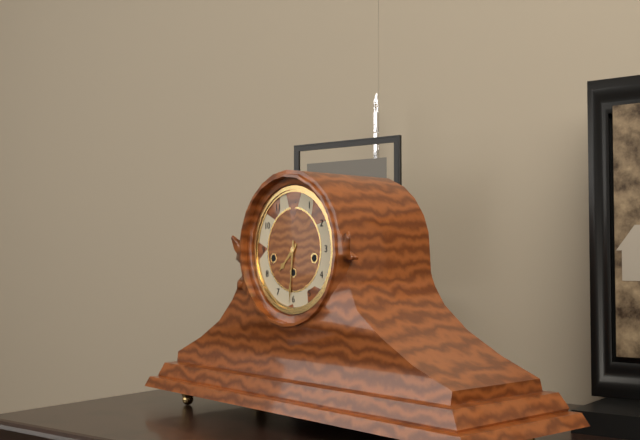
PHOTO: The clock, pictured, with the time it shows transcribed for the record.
7:31
